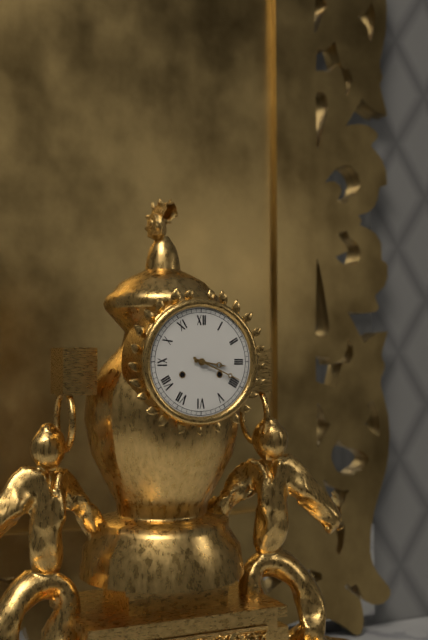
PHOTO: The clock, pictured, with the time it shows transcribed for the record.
3:19
